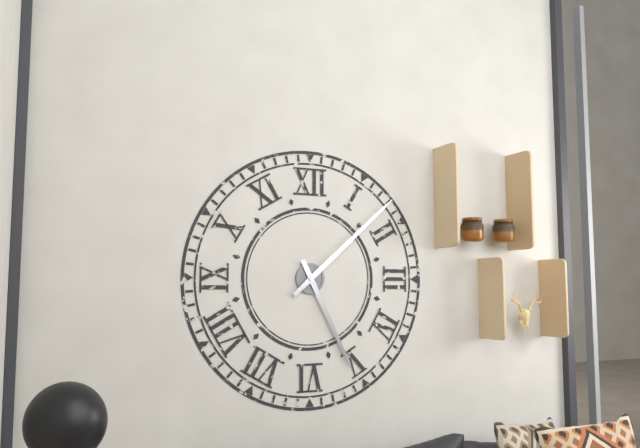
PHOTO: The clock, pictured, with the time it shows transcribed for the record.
5:08
